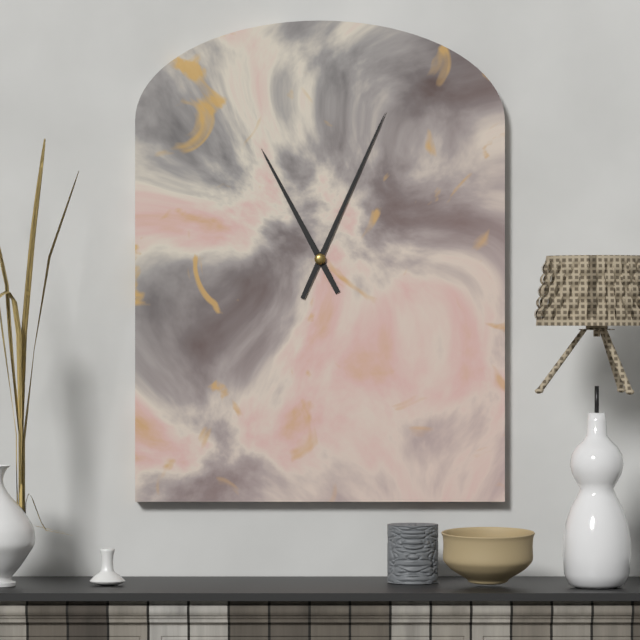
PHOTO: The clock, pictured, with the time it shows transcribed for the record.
11:04
